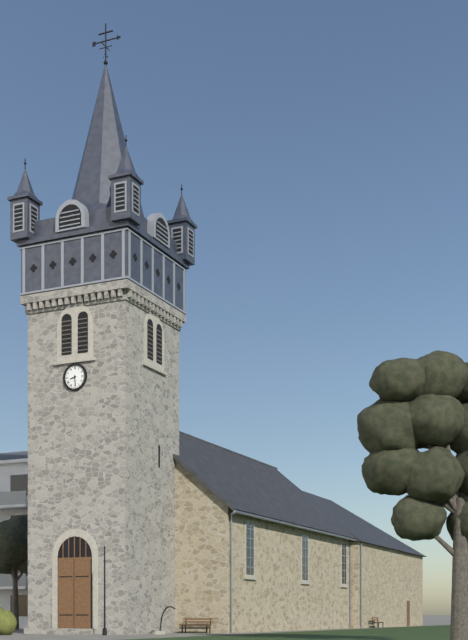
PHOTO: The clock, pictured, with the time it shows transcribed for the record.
8:29
